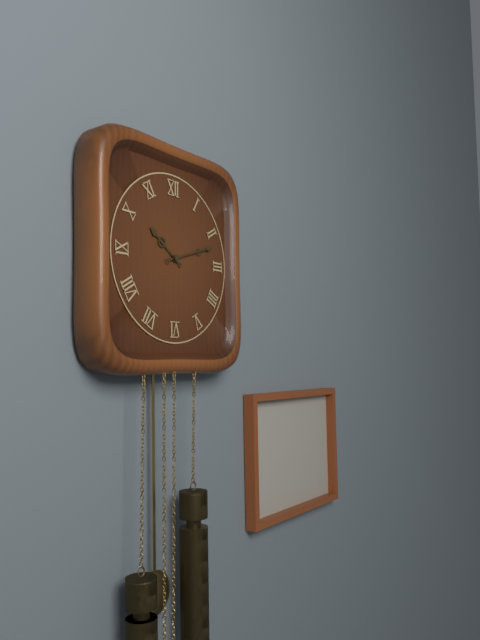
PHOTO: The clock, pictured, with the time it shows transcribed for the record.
10:12
